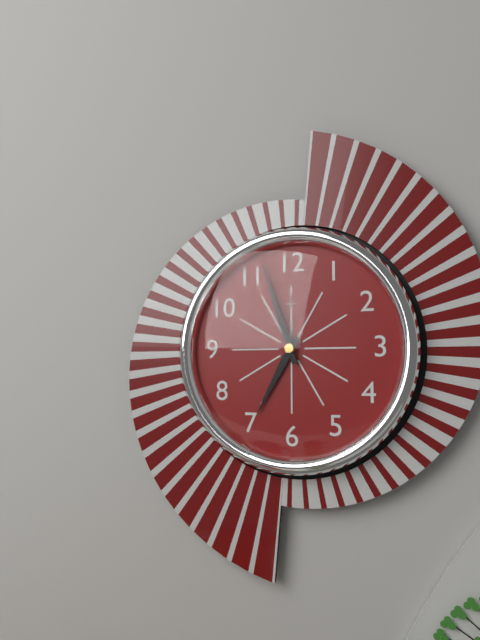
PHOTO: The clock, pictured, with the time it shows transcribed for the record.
6:57
